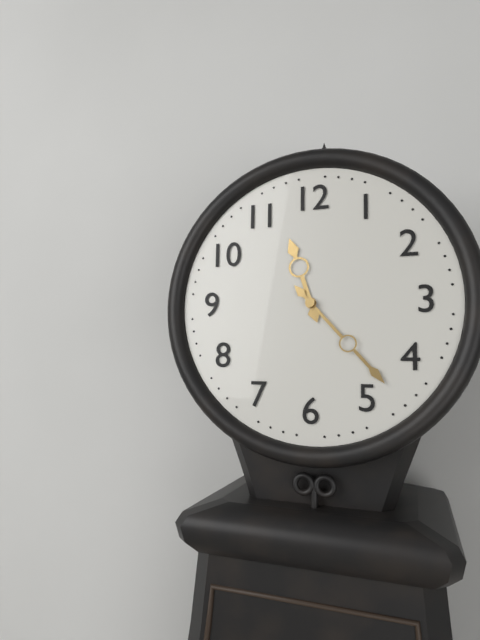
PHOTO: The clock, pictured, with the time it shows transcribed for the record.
11:23
